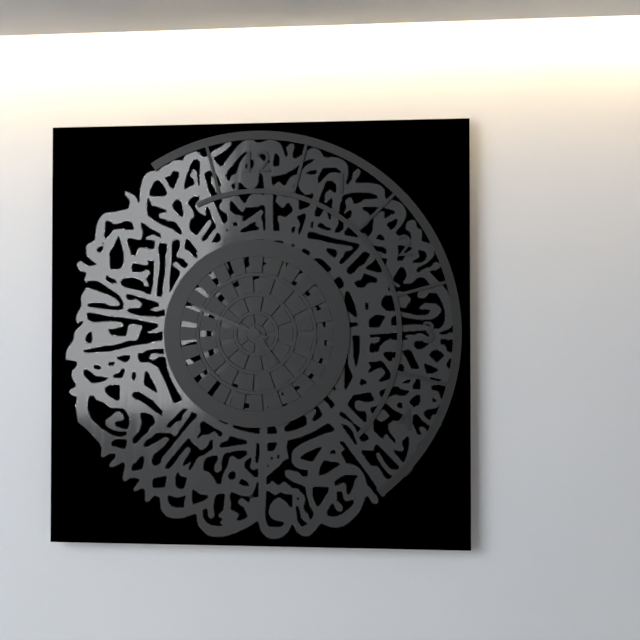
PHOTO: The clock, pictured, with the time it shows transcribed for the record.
4:49
